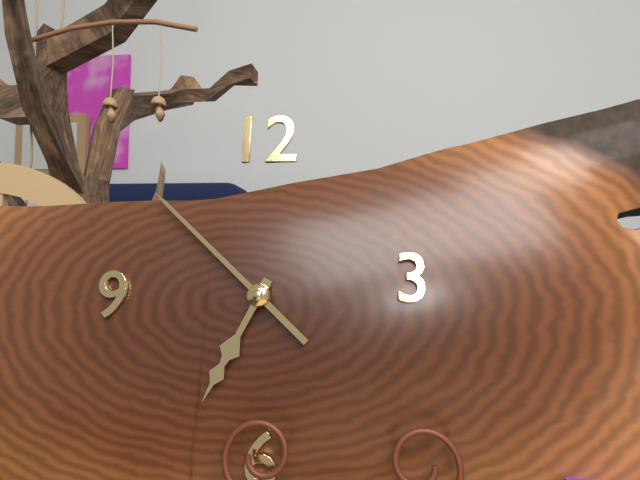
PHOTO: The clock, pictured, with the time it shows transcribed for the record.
6:52
